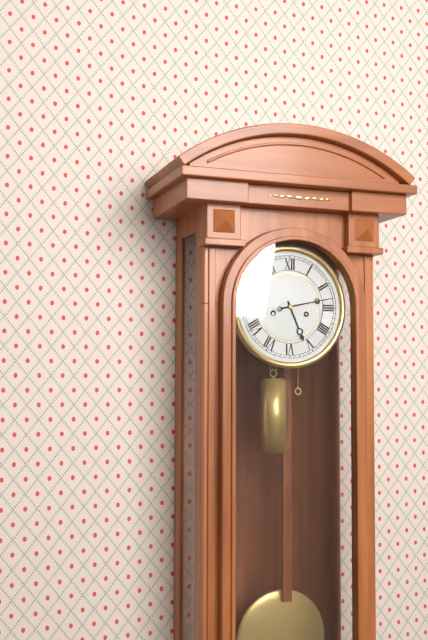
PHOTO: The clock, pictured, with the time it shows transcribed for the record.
5:13
